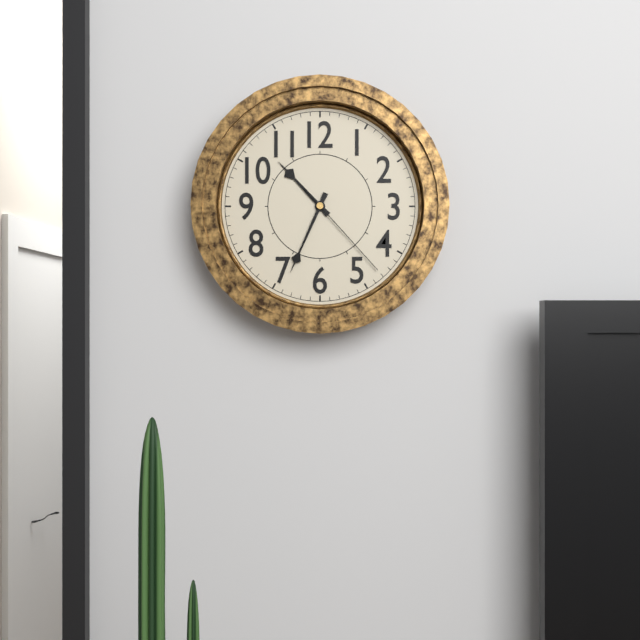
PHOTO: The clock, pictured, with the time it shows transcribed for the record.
10:34:23
